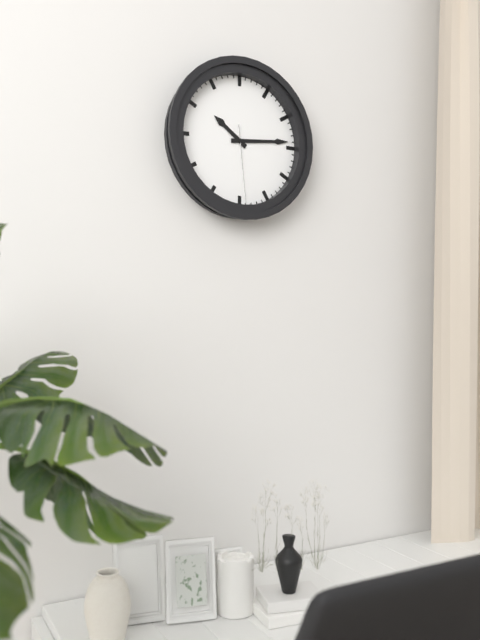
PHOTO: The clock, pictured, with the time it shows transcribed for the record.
10:14:29
